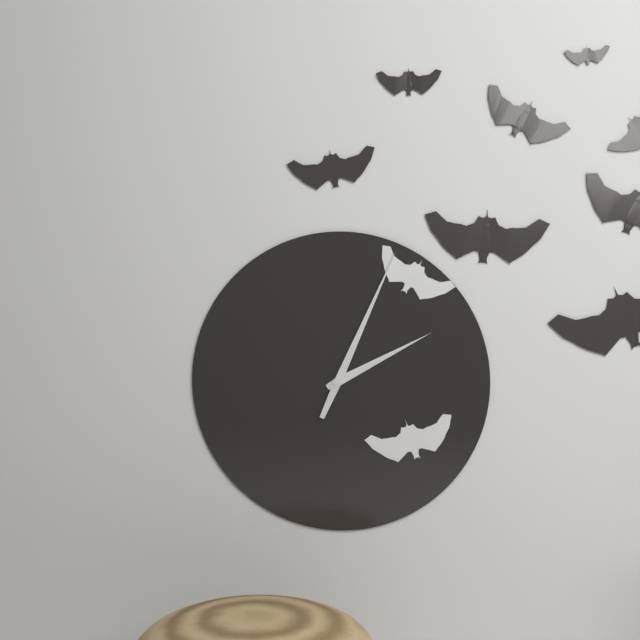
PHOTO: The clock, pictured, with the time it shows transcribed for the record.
2:04
